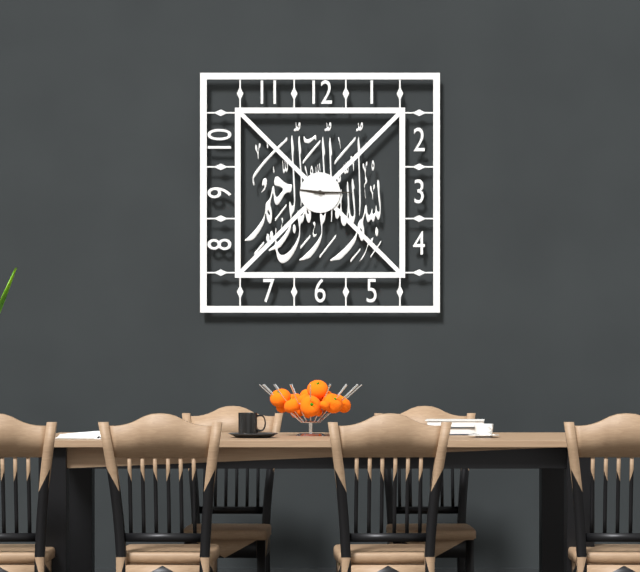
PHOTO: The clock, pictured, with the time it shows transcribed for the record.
9:15
